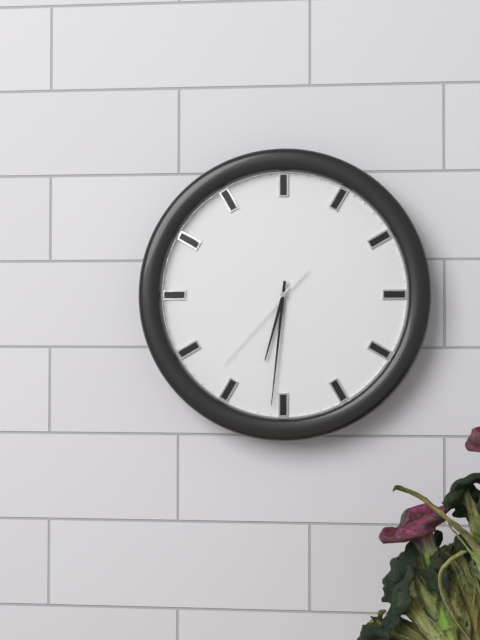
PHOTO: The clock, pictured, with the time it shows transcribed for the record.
6:31:37
